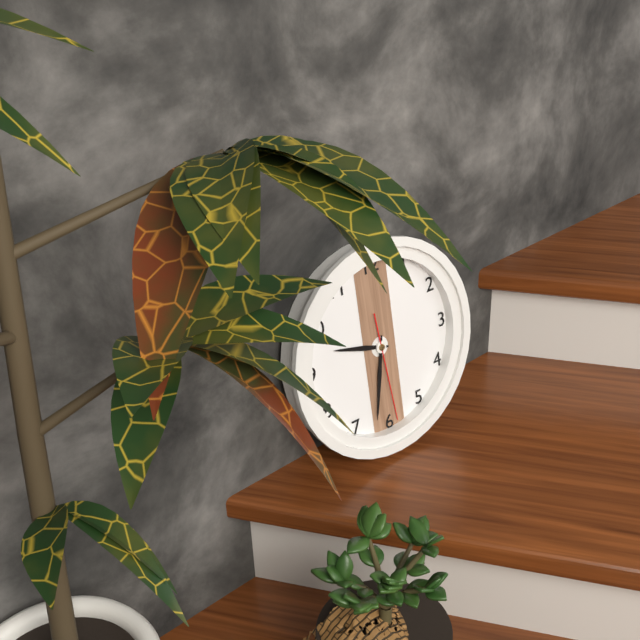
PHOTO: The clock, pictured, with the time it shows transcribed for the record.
9:32:29
